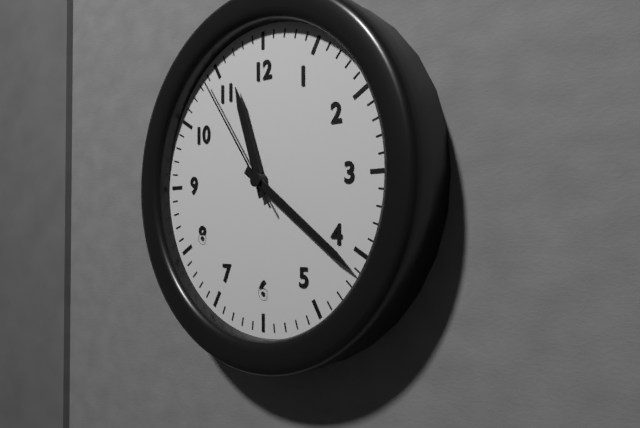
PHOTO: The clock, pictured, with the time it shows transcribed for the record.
11:21:54
